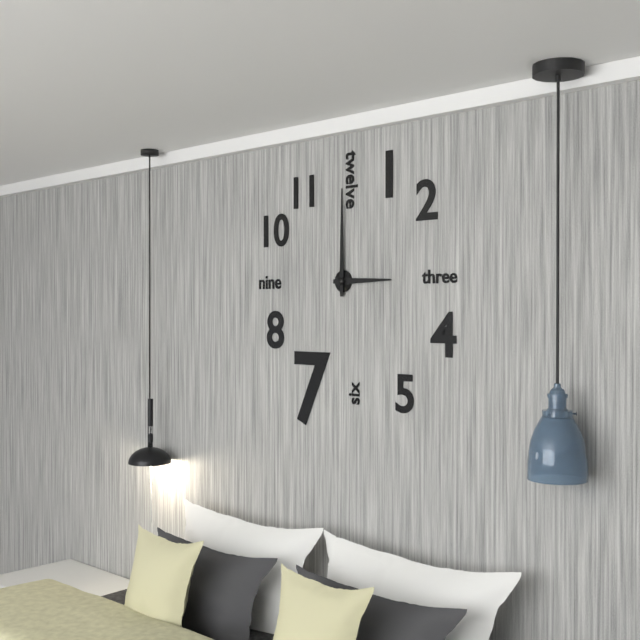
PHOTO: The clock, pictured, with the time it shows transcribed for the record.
3:00
